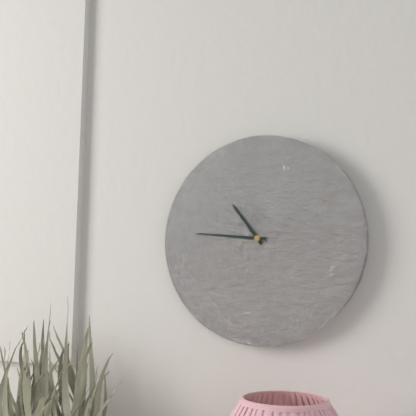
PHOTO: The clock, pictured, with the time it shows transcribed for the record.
10:46
